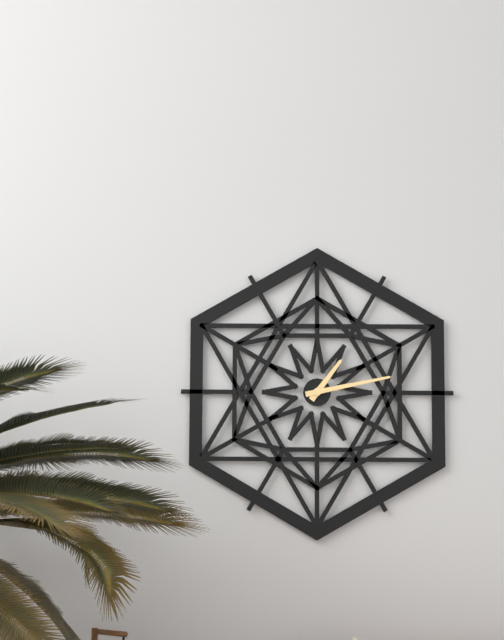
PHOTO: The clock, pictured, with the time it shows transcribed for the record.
1:13
